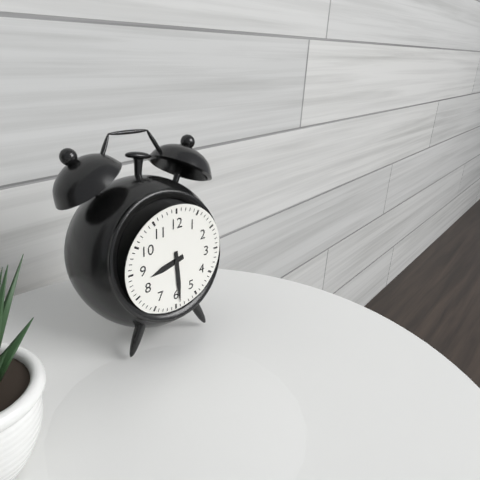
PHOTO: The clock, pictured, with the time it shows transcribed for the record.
8:29
